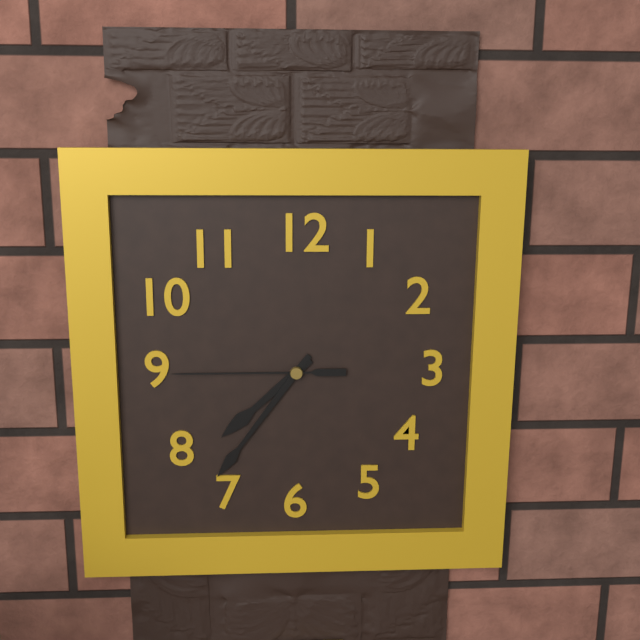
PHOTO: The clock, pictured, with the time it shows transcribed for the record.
7:36:45
